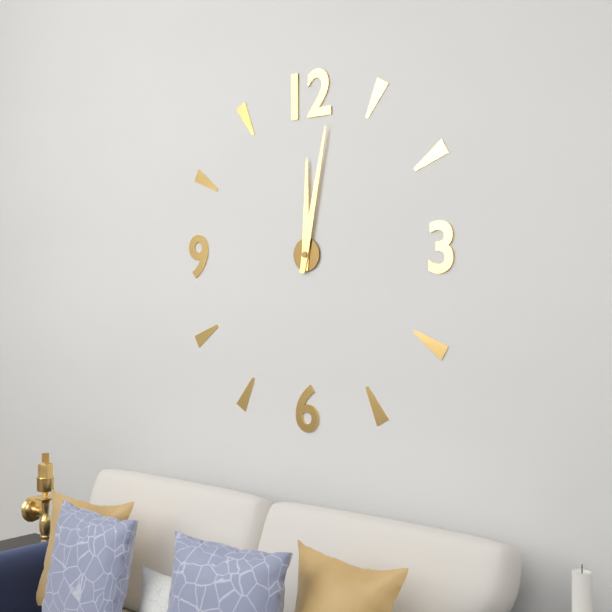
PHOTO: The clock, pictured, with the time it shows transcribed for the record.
12:02
